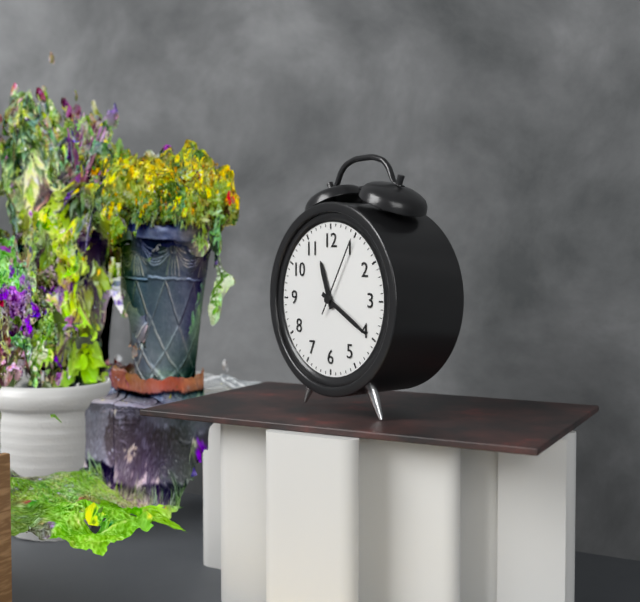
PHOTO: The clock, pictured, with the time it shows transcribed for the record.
11:20:05
